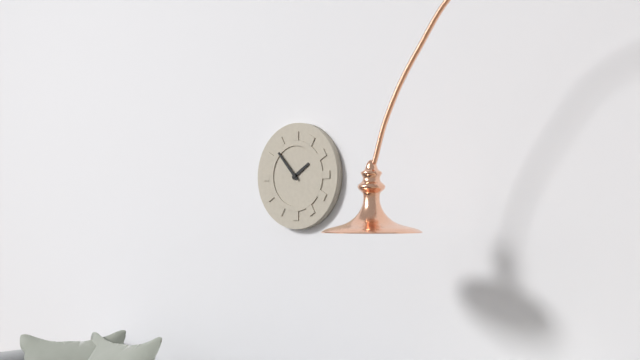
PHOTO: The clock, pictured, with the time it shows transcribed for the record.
1:53
